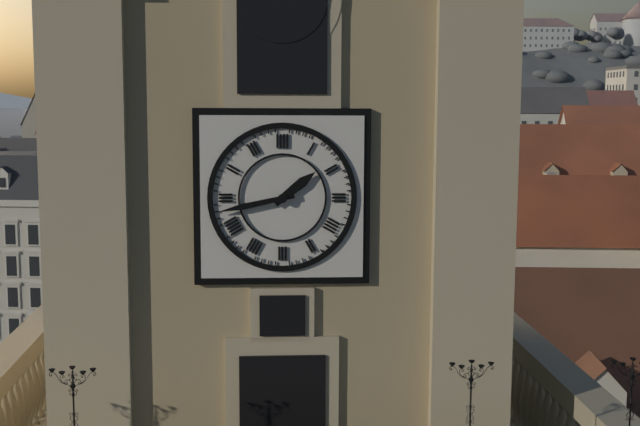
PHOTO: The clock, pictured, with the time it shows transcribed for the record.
1:43
